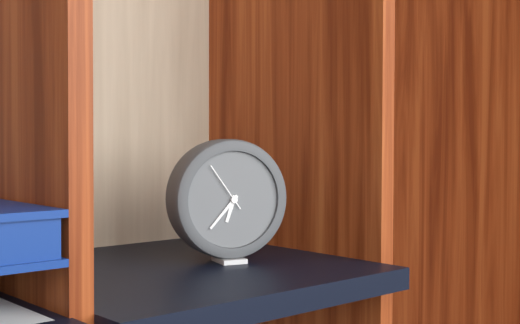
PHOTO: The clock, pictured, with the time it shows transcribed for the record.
6:37:54
